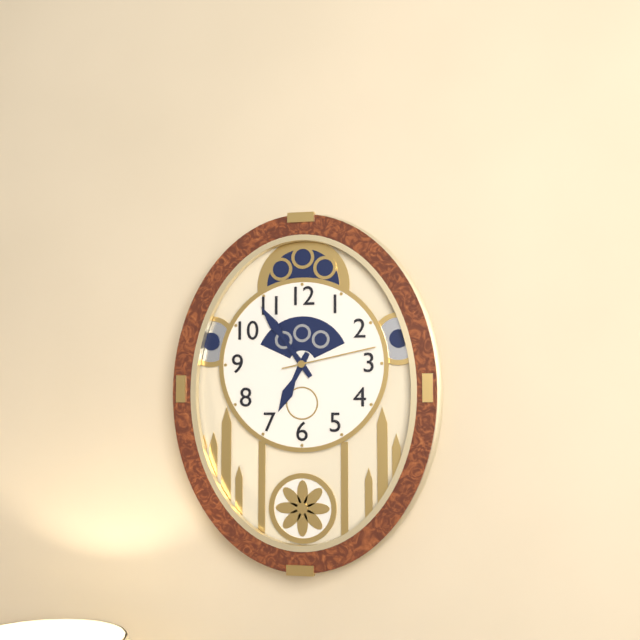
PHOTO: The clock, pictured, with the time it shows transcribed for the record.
6:54:13
